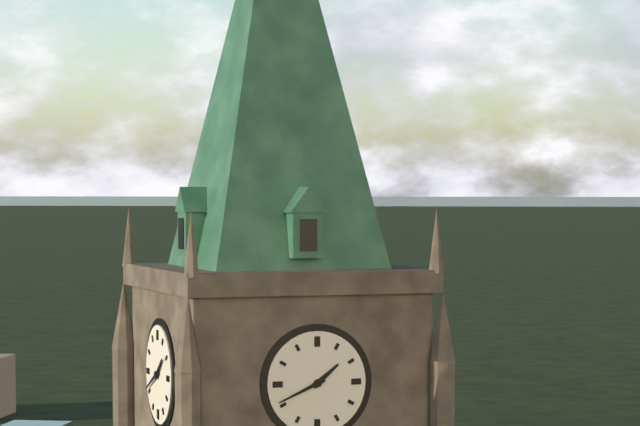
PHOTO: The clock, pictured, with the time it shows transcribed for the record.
1:41
